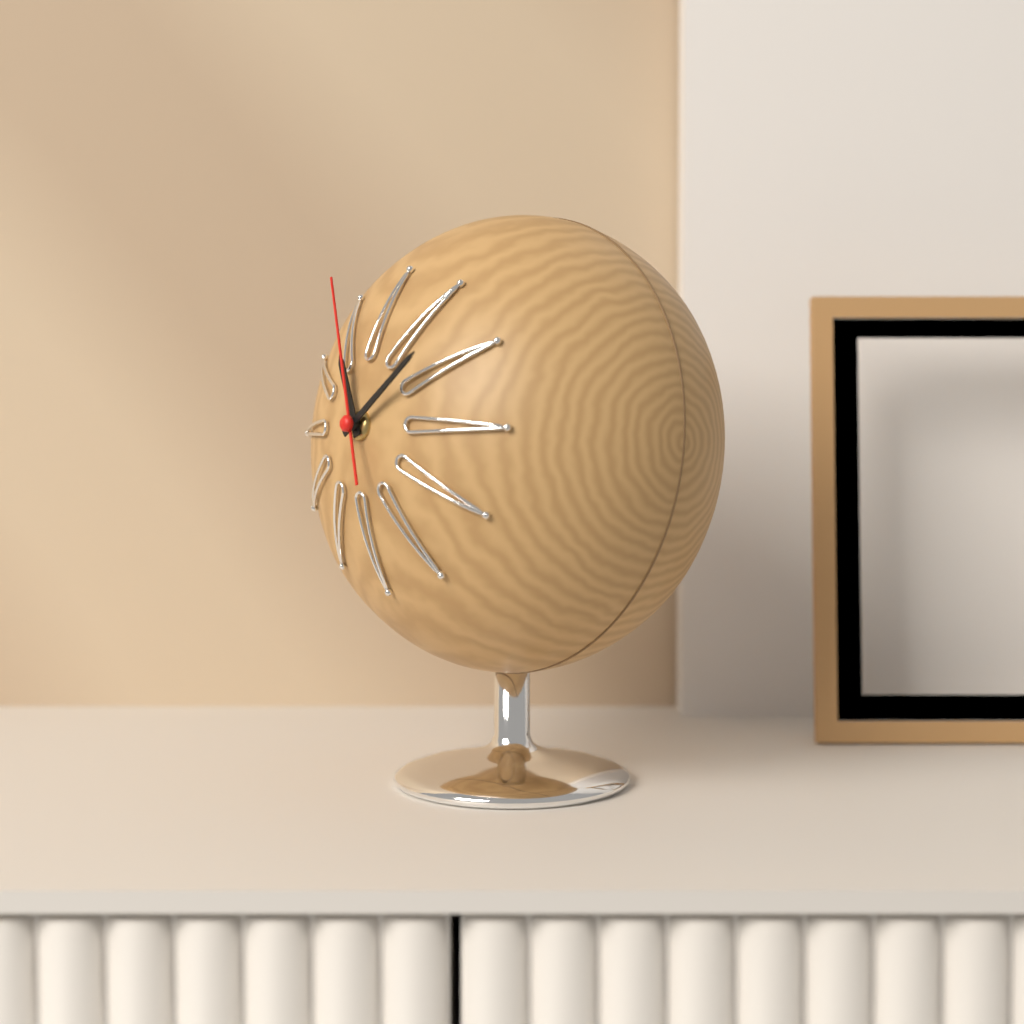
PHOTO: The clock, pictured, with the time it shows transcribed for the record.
11:09:57
